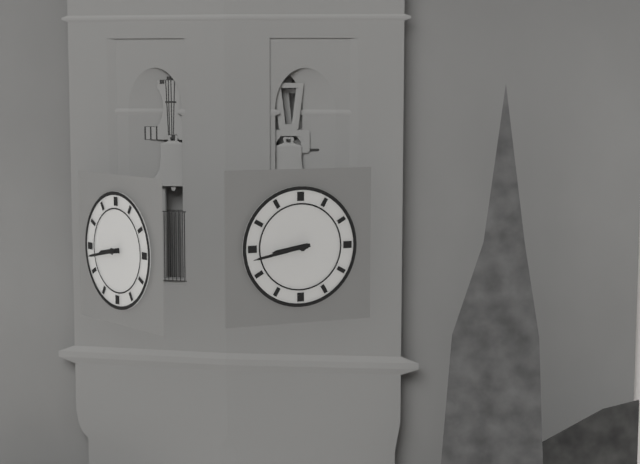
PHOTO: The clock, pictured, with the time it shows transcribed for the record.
8:43
